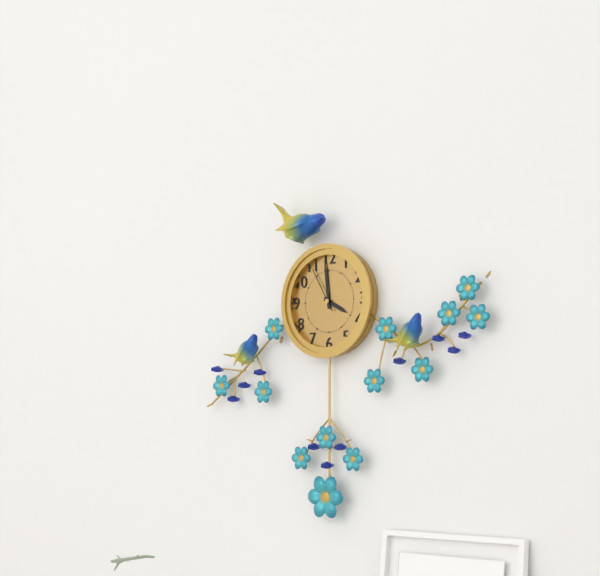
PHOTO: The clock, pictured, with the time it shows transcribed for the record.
3:59:55
